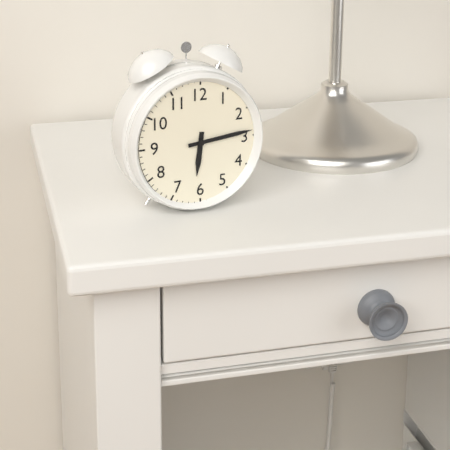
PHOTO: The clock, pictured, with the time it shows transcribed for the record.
6:14
